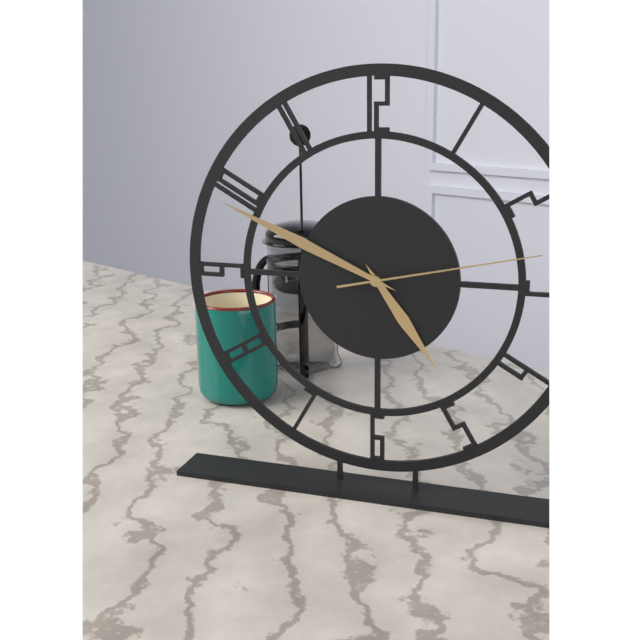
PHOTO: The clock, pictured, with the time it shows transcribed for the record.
4:49:13
